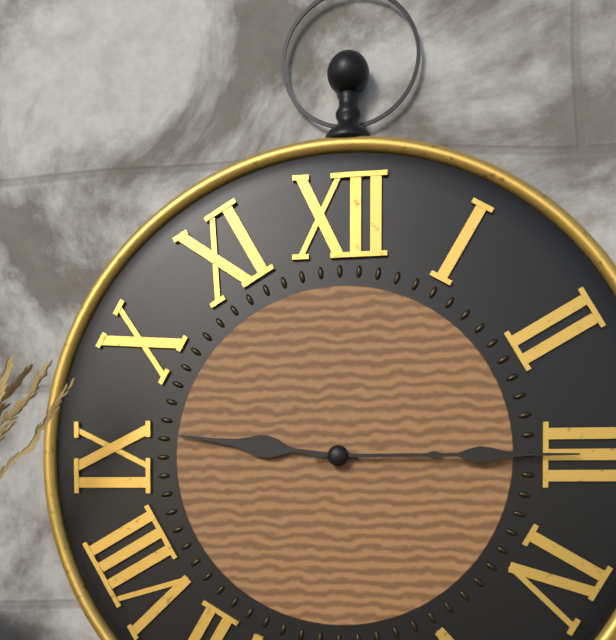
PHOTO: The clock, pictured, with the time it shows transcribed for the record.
9:15
